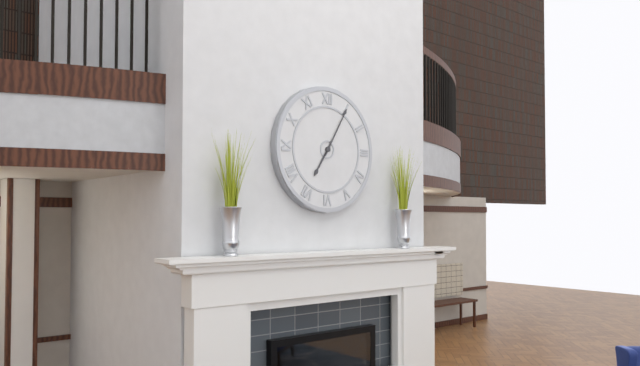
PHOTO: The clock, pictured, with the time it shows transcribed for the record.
7:05
